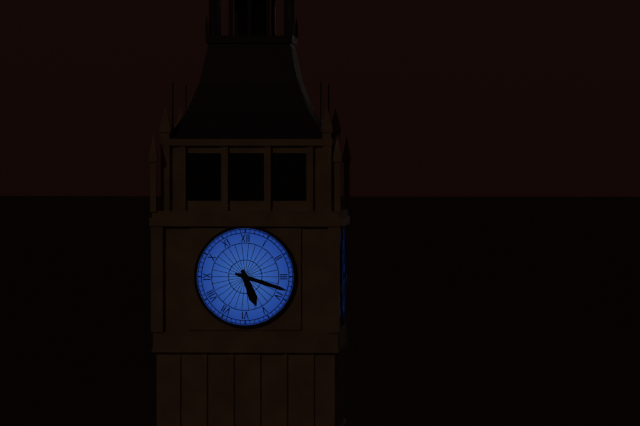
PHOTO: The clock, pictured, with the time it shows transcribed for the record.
5:18
